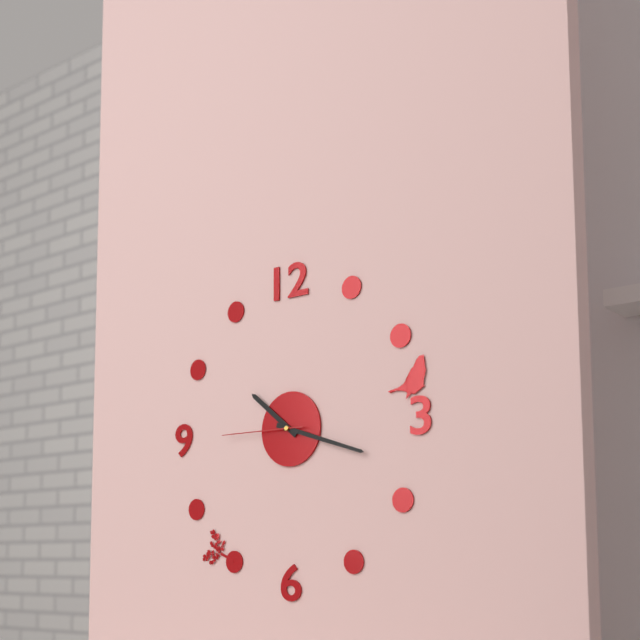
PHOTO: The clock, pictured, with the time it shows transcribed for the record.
10:18:45
